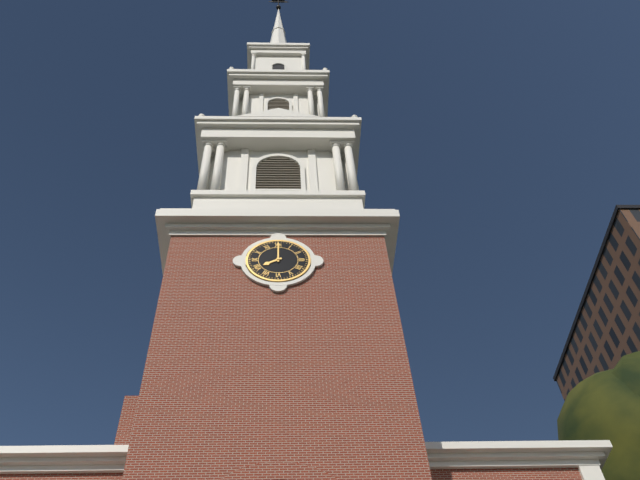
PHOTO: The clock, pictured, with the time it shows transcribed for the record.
8:00
